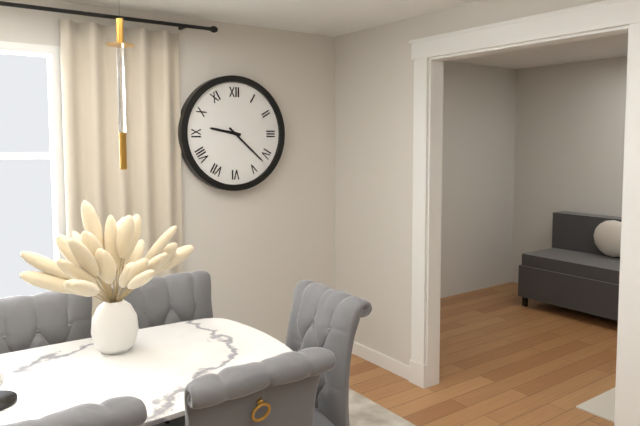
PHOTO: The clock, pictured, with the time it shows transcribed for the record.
9:22
